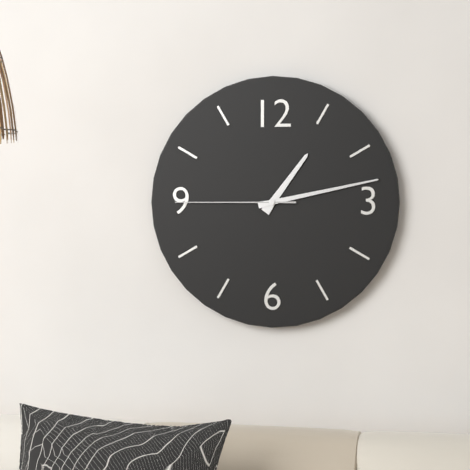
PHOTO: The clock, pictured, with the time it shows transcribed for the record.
1:13:45
